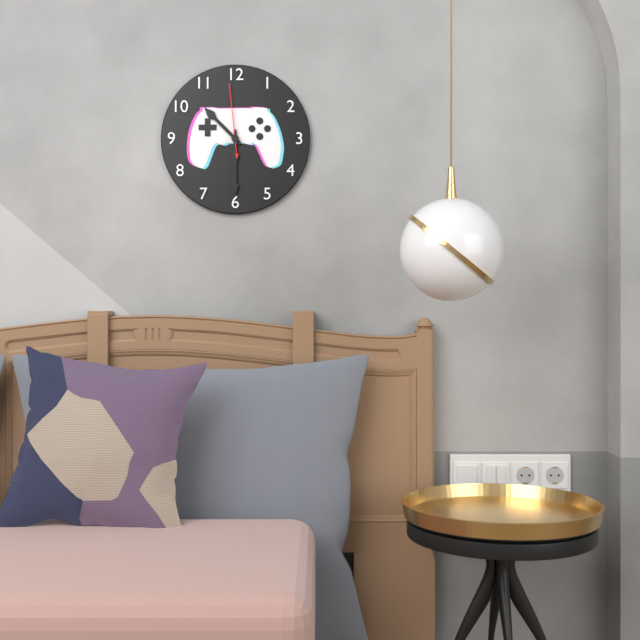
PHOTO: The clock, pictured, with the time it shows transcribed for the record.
10:30:59
